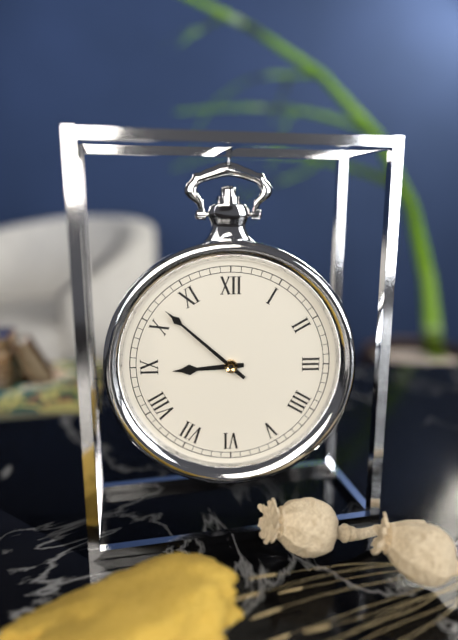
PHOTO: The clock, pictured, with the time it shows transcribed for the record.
8:52
